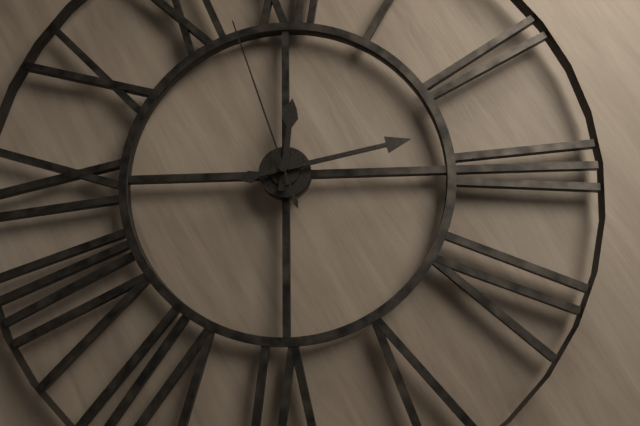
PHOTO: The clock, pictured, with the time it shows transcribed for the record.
12:13:57
